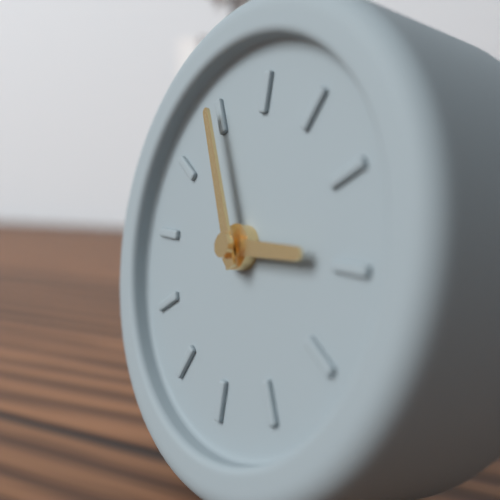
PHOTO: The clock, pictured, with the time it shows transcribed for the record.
2:55
